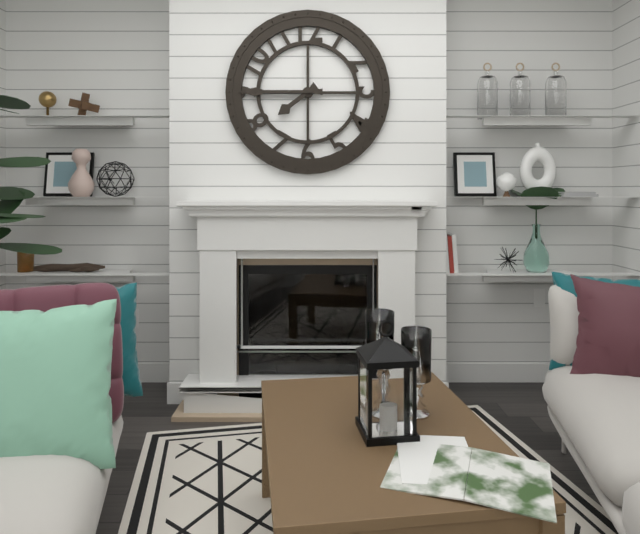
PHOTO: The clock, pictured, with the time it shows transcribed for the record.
7:45
